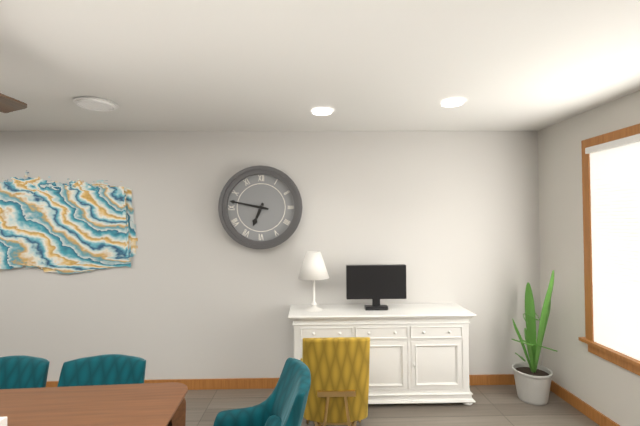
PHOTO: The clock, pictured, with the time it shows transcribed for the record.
6:47
